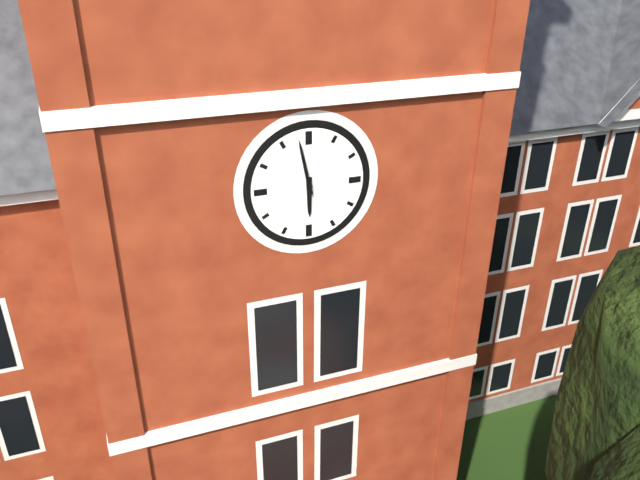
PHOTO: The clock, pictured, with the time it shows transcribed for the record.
5:58
